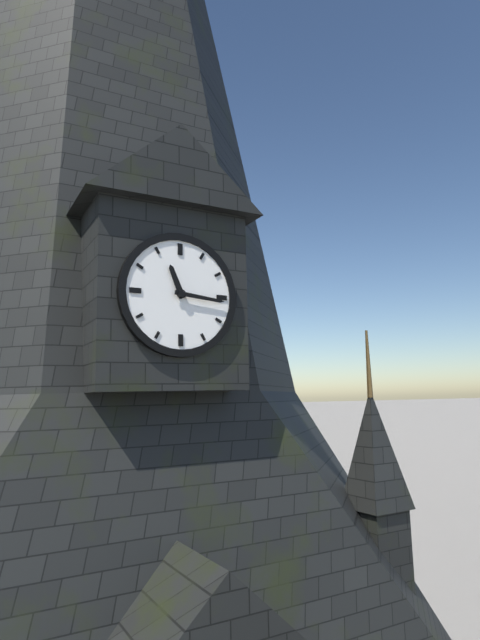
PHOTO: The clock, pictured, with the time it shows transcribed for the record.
11:16
